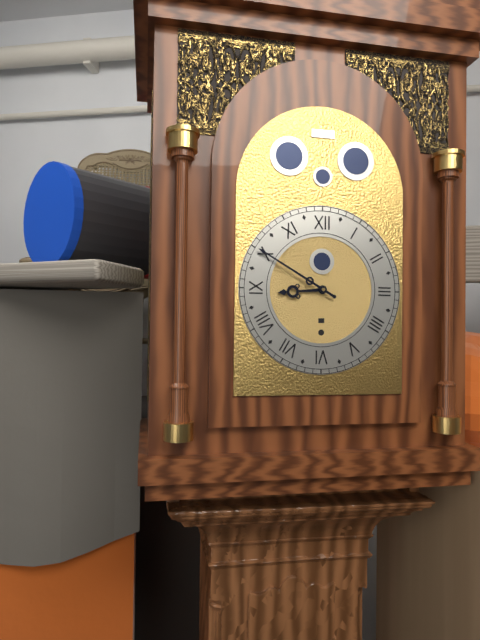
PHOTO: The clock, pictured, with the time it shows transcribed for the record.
8:50
